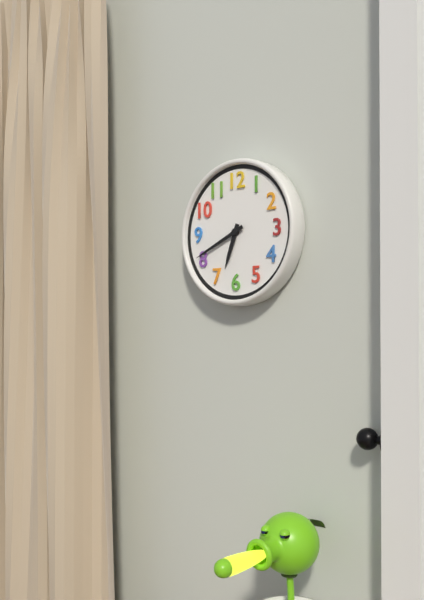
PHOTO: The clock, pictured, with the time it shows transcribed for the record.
6:41
